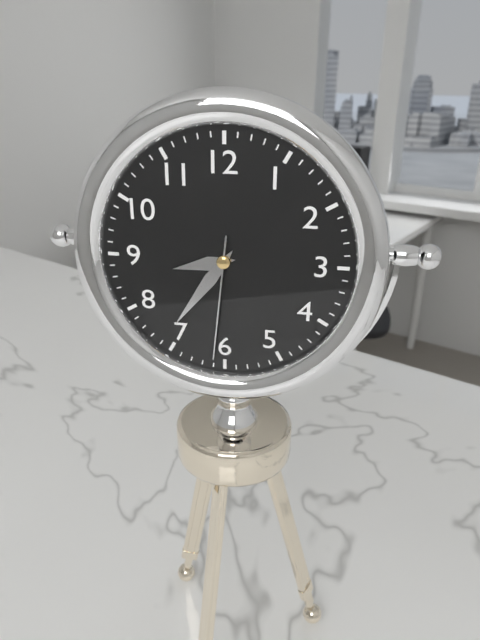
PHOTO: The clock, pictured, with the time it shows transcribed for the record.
8:36:31
